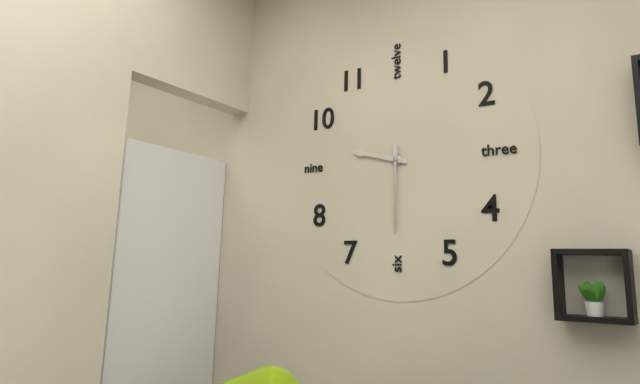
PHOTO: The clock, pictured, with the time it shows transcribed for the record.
9:30
